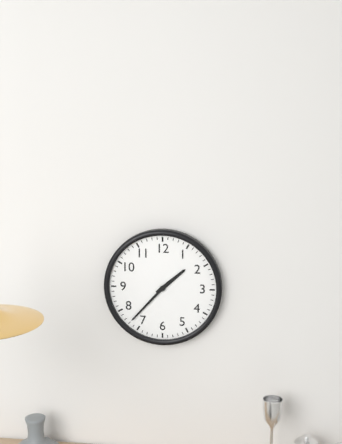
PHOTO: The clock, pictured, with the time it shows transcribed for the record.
1:37
